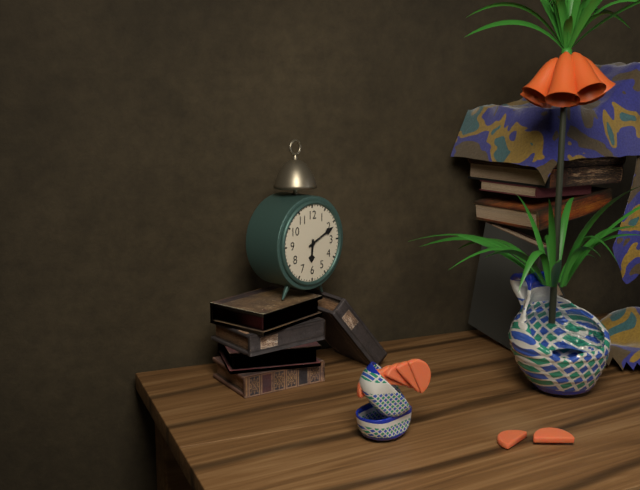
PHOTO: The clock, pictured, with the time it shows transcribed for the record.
6:11
